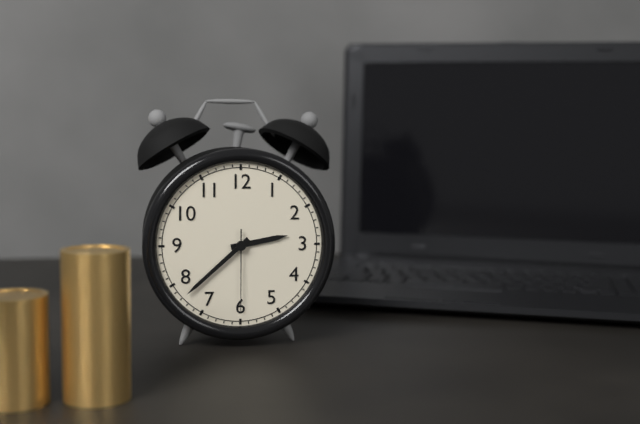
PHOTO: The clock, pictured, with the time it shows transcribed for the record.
2:38:30
